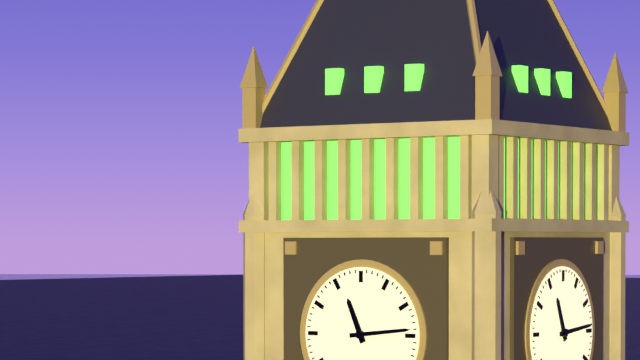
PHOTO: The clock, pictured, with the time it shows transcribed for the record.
11:14
